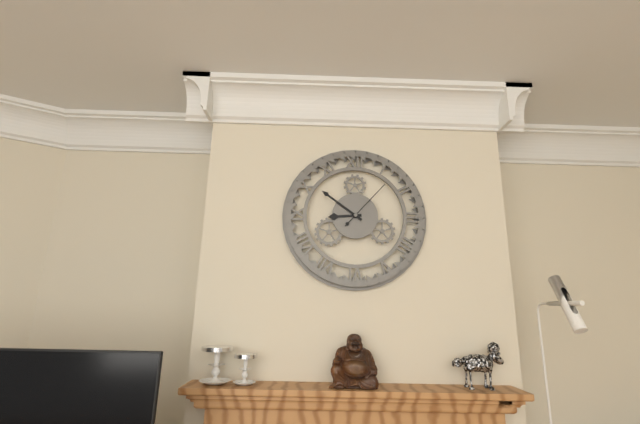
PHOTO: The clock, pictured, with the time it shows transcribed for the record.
8:51:07
